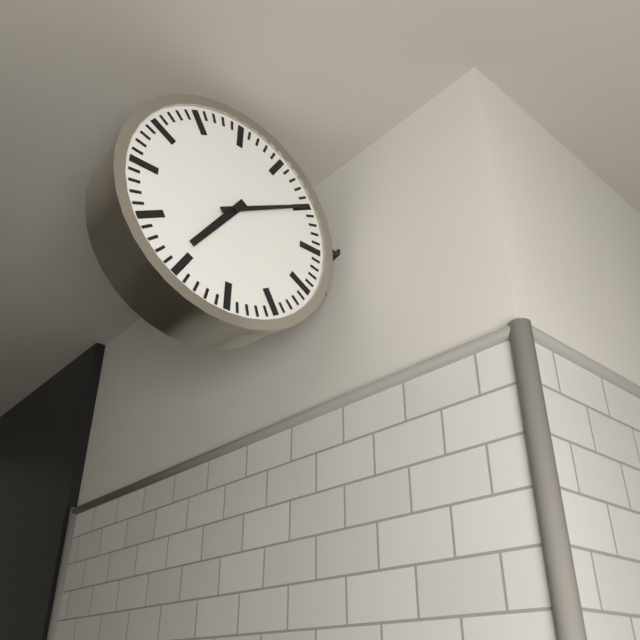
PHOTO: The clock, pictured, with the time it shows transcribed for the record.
7:10
